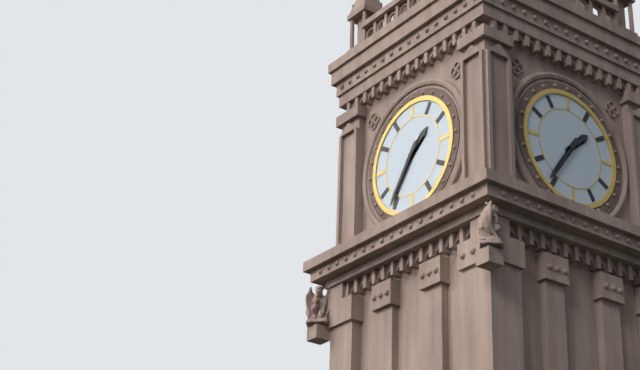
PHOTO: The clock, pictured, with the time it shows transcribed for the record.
1:36
